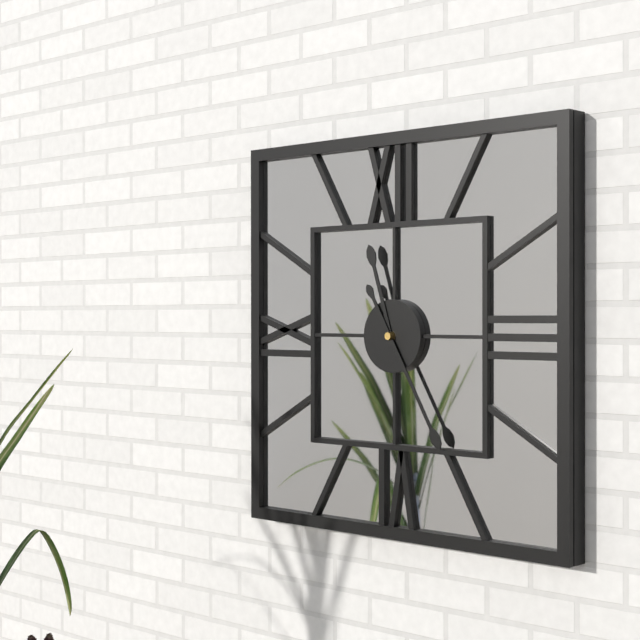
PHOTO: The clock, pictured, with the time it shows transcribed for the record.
11:25
